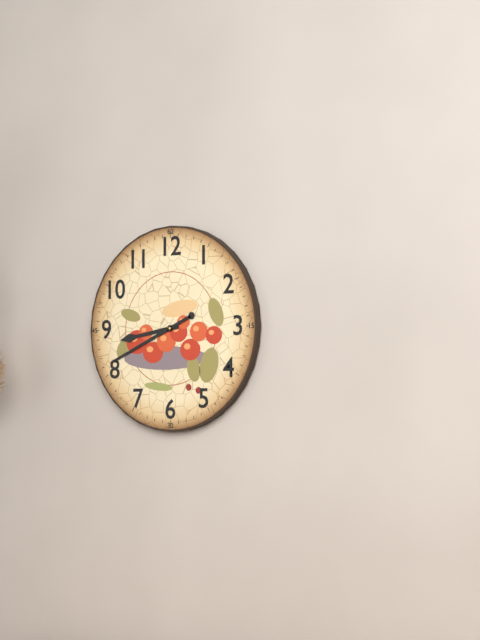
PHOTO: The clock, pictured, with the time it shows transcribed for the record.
8:41
